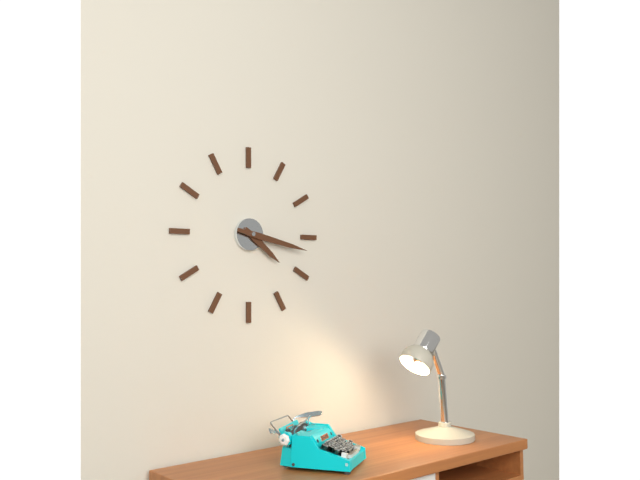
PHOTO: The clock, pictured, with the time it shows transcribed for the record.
4:17
